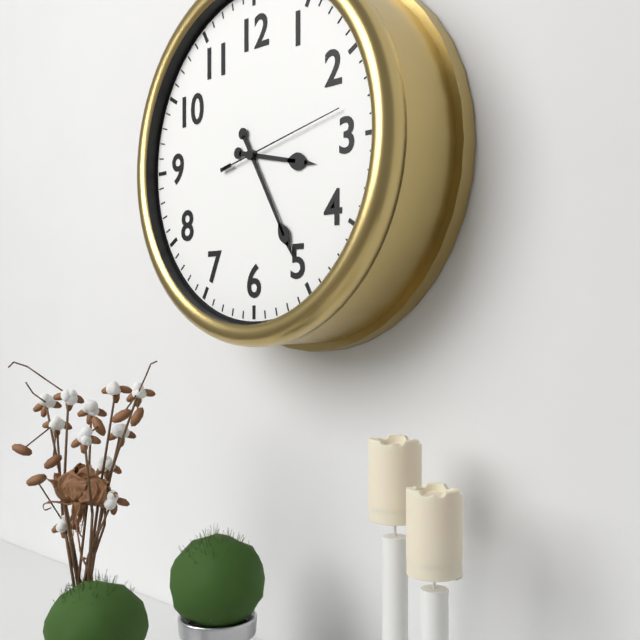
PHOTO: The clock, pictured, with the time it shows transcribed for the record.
3:25:13
